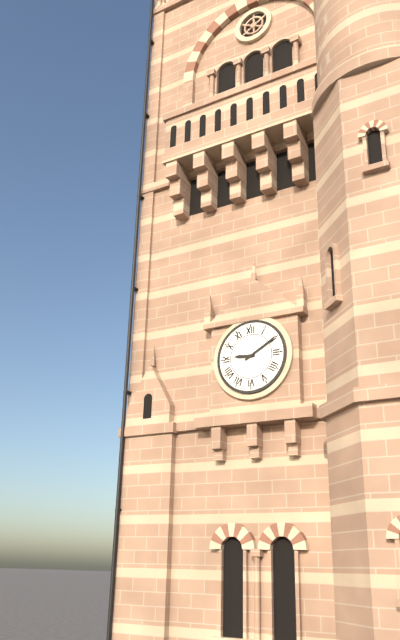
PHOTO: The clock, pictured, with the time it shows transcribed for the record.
9:10
